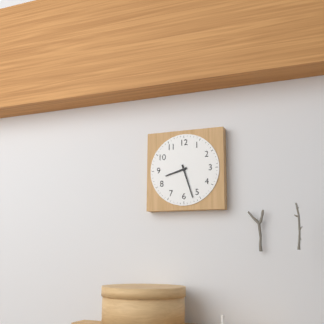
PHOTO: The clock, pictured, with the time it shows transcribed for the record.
8:27
